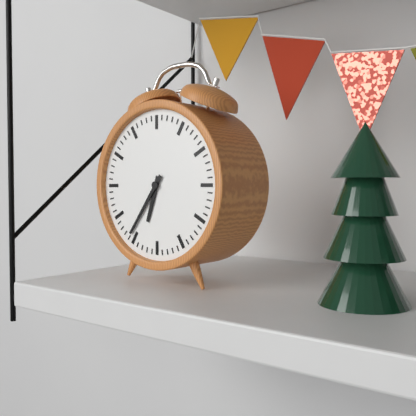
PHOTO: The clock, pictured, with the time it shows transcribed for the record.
6:36
